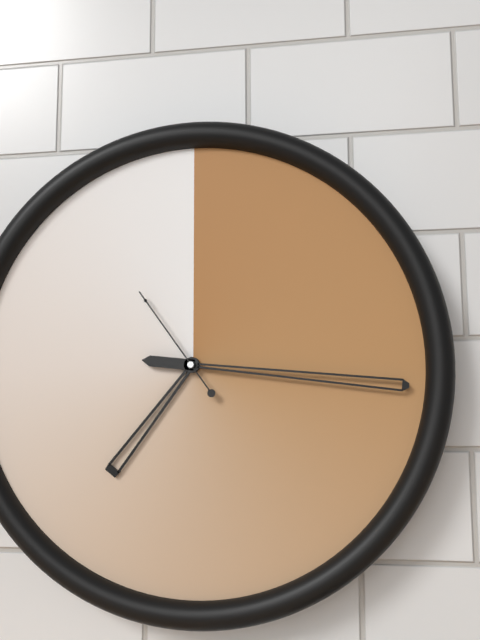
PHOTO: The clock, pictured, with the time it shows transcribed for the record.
7:16:54
